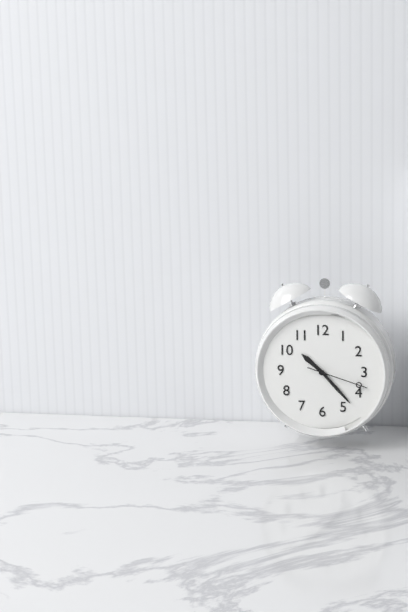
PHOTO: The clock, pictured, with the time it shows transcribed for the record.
10:23:18
